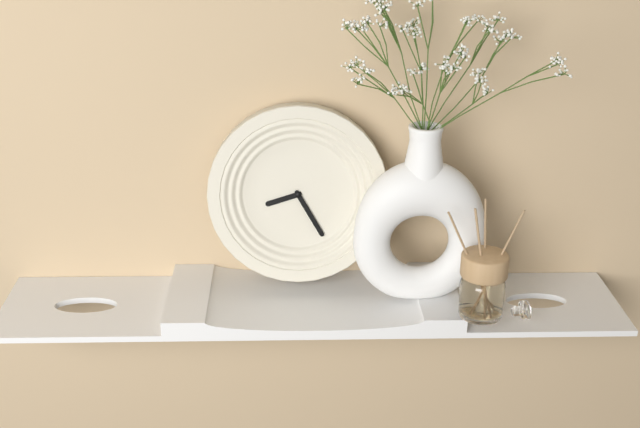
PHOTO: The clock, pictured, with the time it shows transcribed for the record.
8:25
